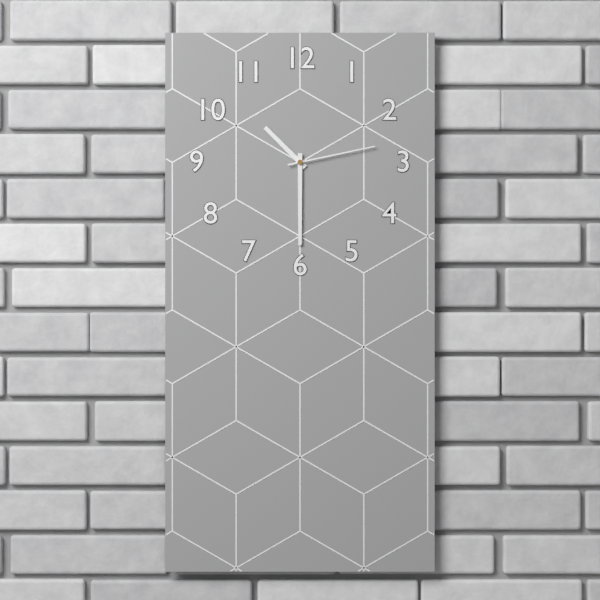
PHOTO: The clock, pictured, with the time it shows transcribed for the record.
10:30:13
